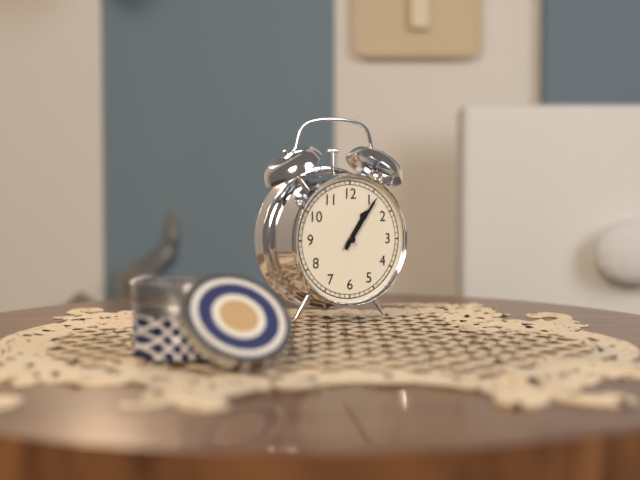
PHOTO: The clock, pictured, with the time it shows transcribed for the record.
1:06
